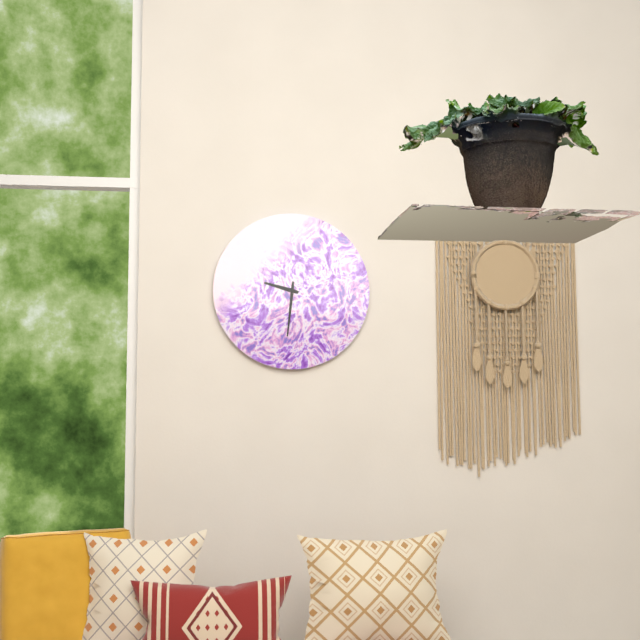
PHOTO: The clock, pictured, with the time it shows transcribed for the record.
9:31
